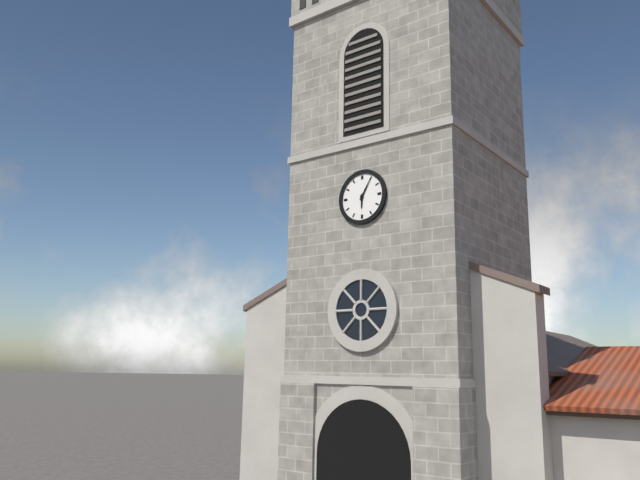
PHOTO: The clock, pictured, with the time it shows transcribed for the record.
6:05
